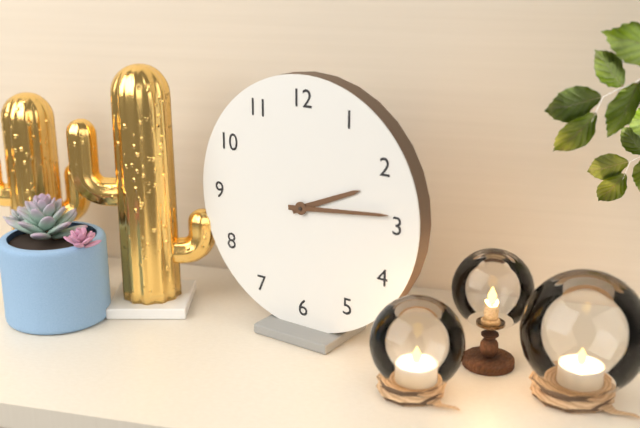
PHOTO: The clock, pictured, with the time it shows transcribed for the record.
2:14
